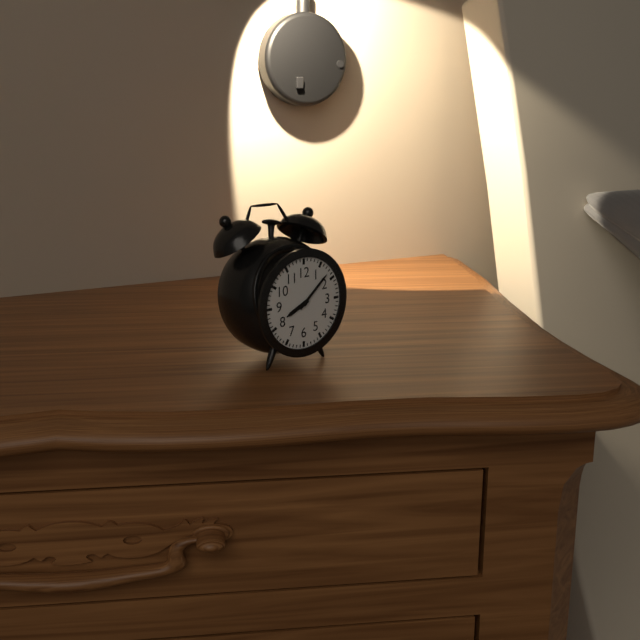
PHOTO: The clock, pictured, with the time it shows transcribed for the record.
8:08
